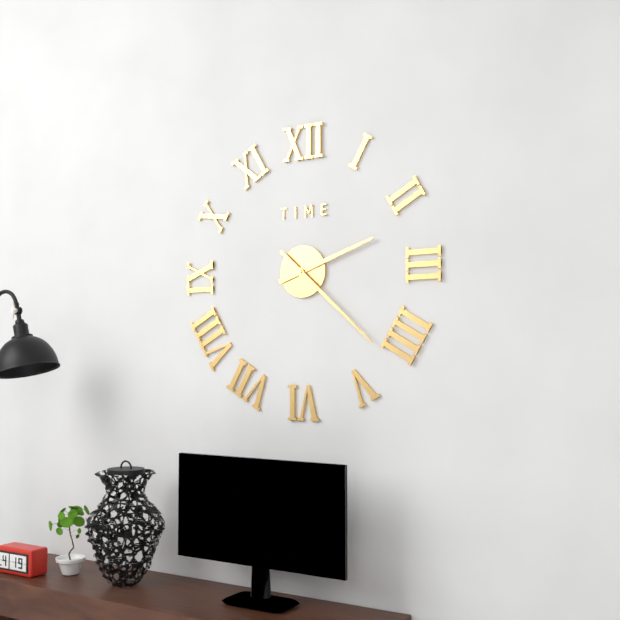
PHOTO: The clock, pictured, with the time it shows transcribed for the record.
2:22
